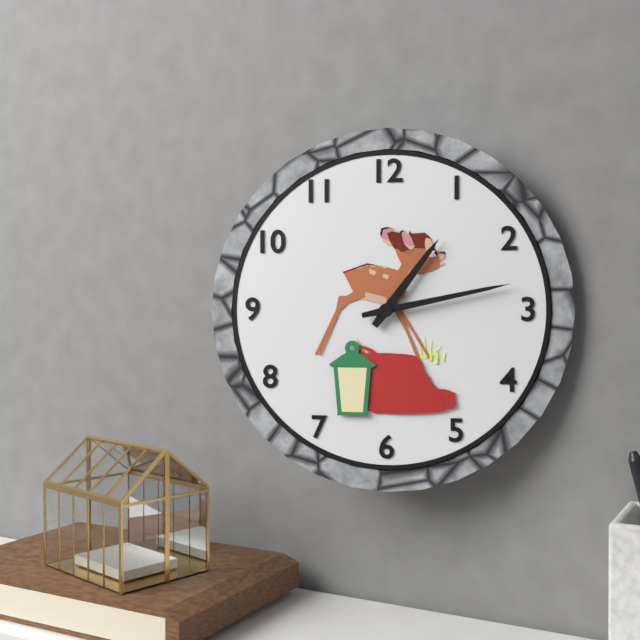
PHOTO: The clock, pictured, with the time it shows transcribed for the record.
1:13
